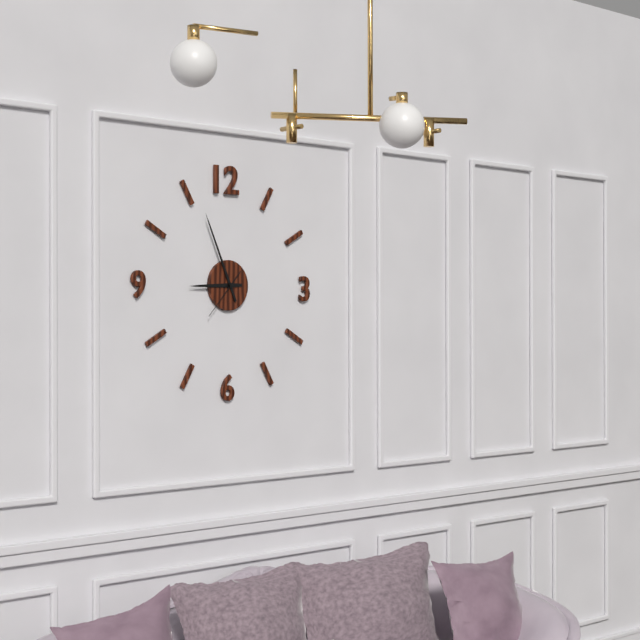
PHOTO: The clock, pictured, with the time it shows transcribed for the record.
8:56
